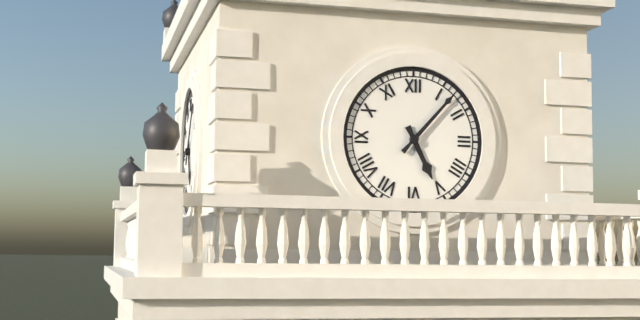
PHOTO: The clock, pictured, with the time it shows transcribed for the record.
5:07
